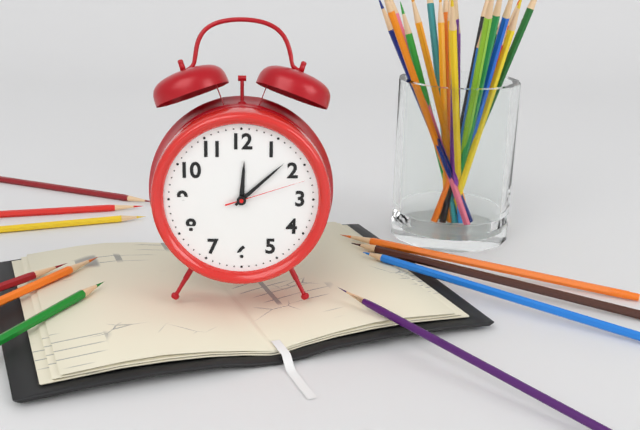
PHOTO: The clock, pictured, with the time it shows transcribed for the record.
12:08:12
